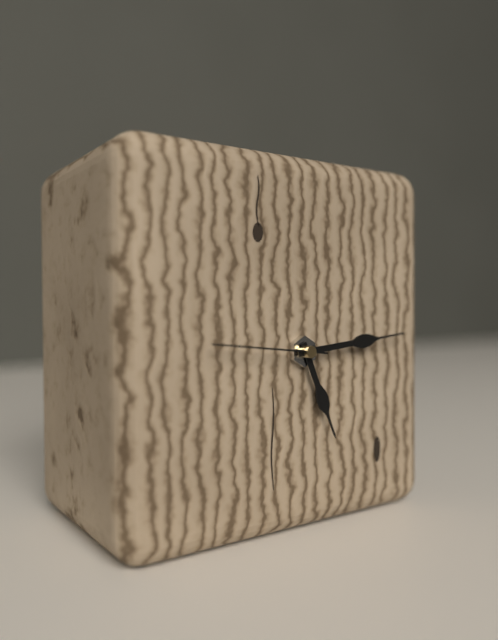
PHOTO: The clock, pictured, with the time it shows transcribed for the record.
5:14:46
